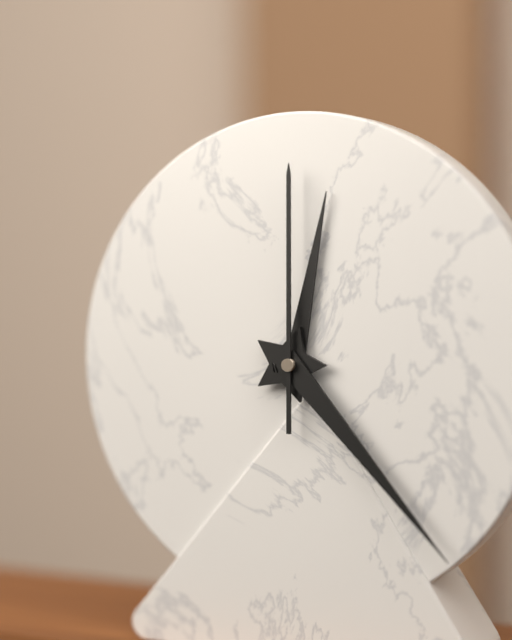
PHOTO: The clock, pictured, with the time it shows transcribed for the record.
12:23:00
